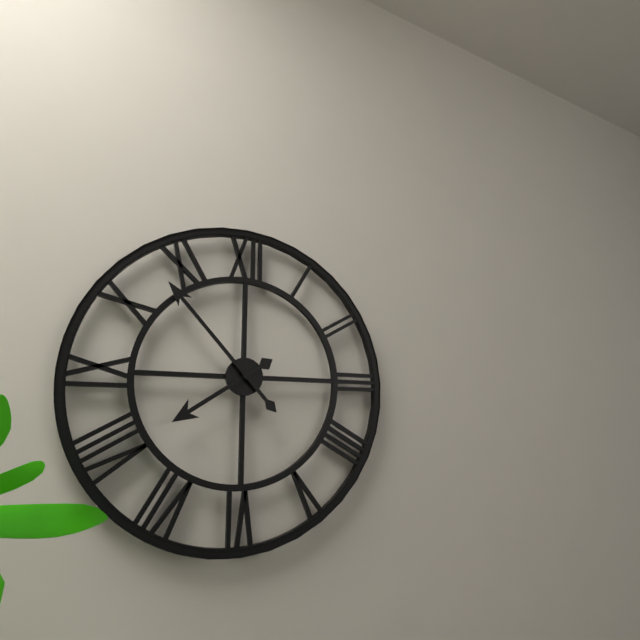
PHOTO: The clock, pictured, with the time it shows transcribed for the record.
7:53
